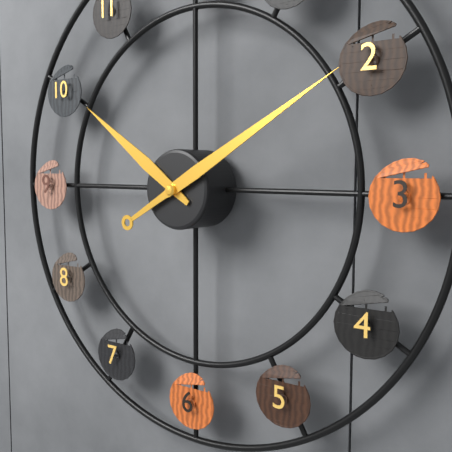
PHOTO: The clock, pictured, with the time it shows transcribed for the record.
10:10
